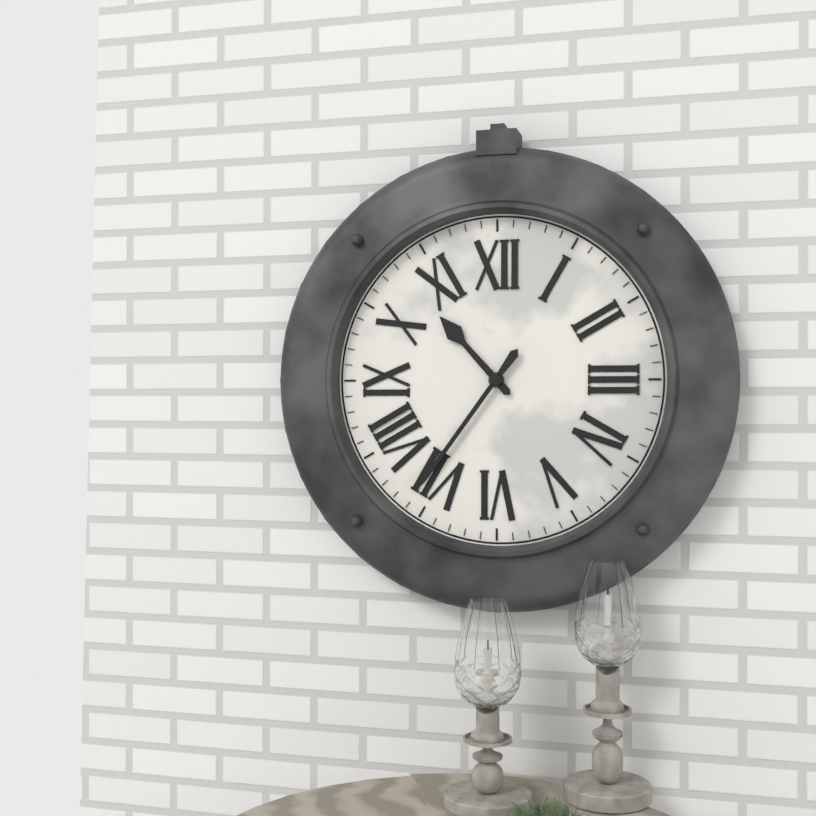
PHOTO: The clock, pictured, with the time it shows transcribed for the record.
10:36
